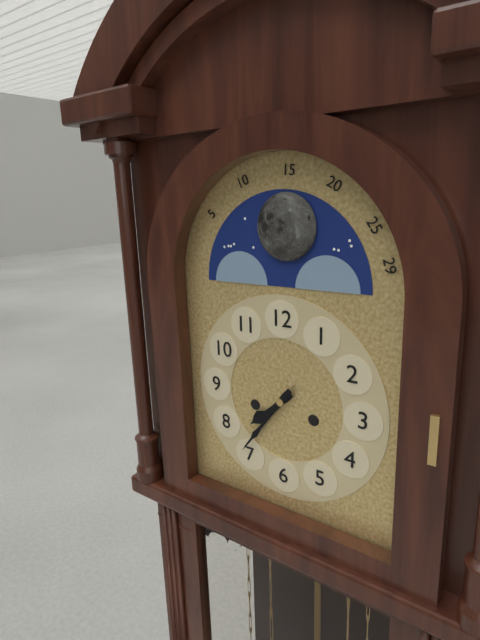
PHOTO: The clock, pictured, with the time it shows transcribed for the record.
7:36
